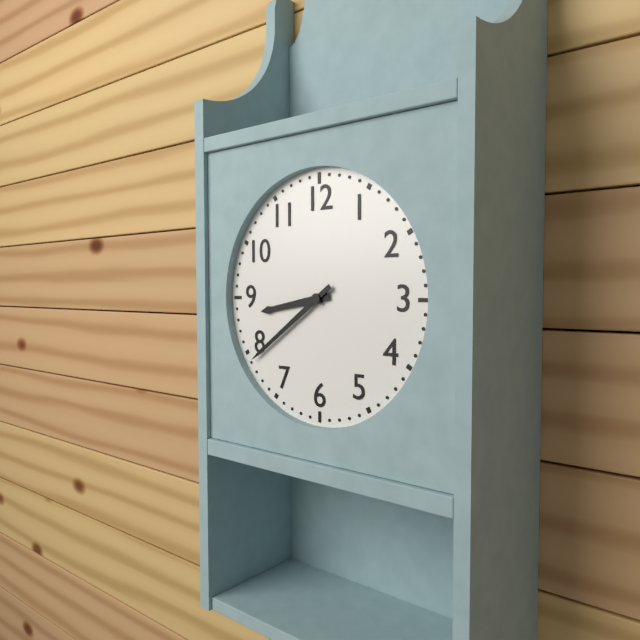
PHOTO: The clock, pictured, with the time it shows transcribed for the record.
8:39
